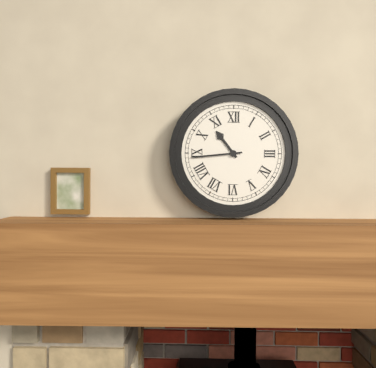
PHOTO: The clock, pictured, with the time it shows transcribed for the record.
10:44
